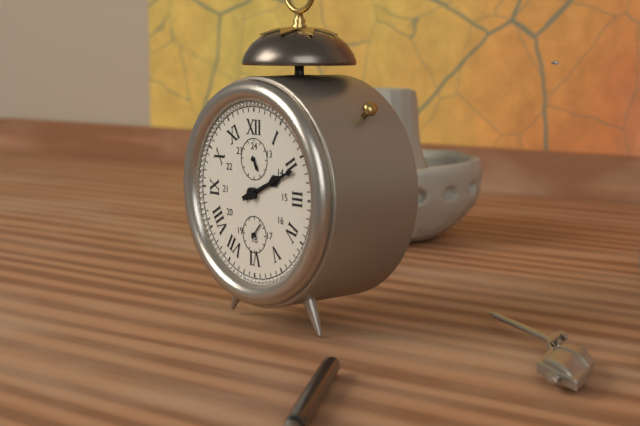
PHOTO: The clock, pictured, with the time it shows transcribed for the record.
2:11
